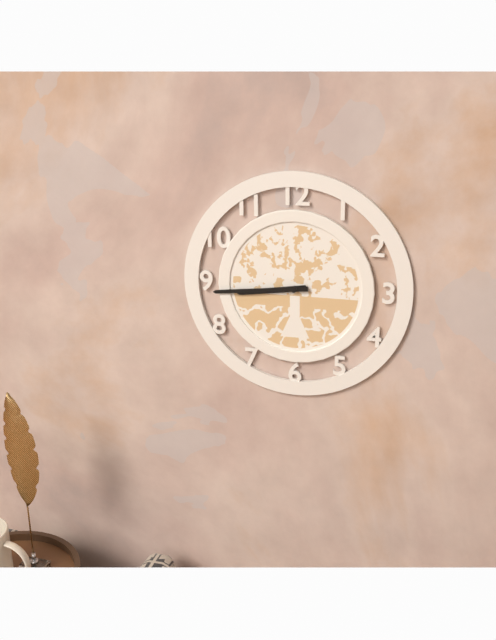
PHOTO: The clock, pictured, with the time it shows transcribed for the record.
8:44
